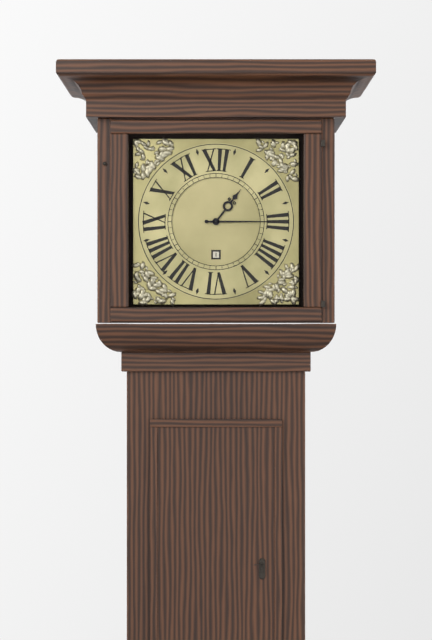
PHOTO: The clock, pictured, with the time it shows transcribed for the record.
1:15
